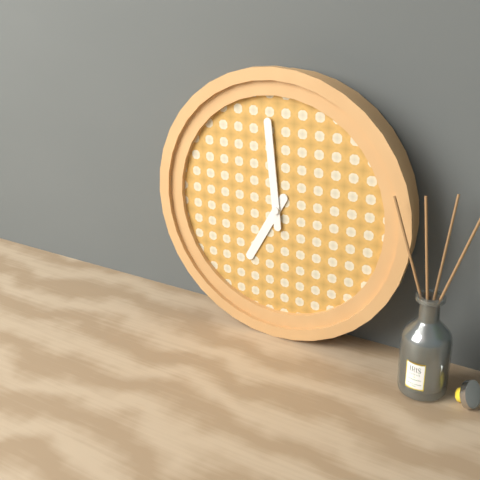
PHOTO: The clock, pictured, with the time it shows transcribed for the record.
6:59
